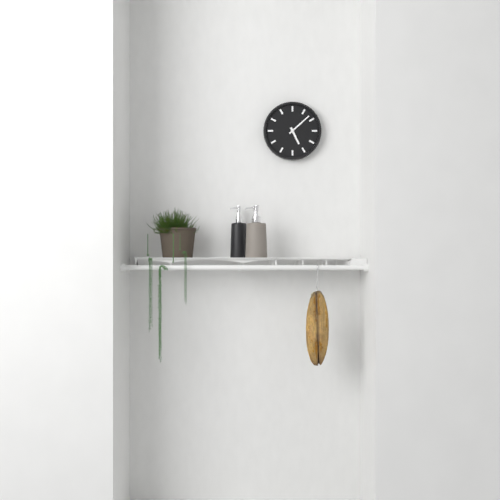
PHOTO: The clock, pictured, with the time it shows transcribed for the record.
5:08
